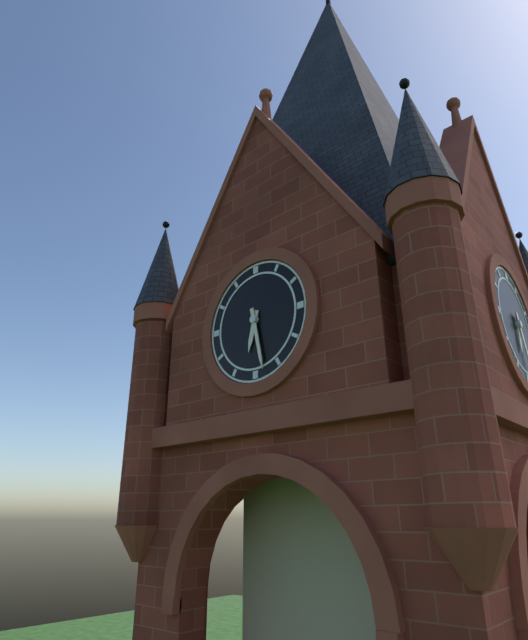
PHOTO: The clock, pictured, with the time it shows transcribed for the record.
6:28
